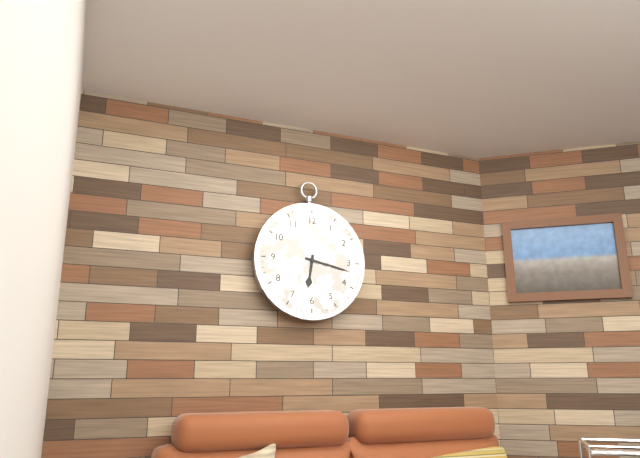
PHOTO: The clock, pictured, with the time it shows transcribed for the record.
6:17
